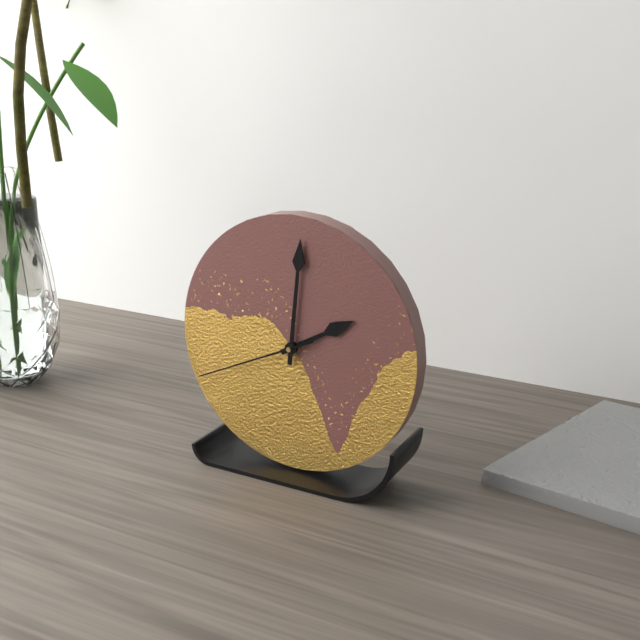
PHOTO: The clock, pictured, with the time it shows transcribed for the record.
2:01:41
